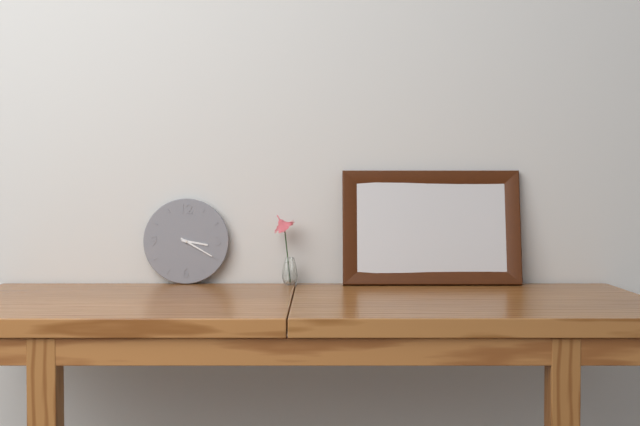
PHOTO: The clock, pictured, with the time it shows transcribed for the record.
3:20
